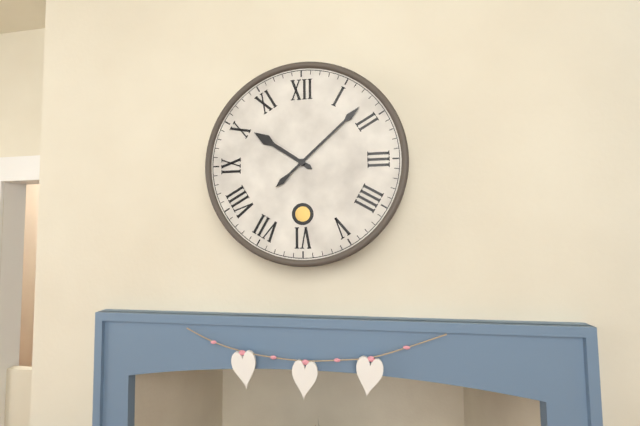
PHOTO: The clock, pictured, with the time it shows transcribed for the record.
10:08
